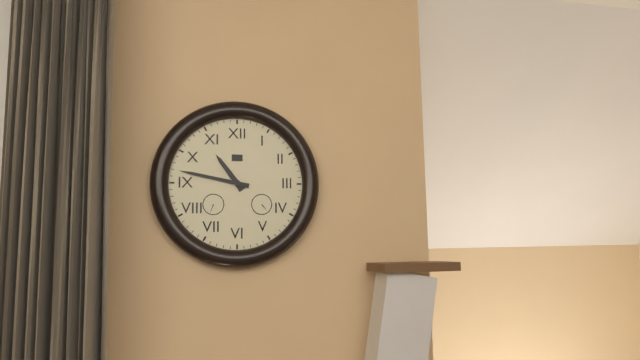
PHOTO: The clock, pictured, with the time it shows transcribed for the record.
10:47
